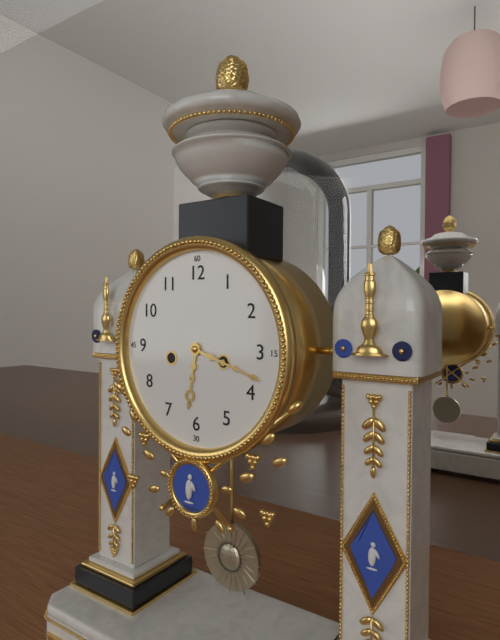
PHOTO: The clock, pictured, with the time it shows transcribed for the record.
6:18
